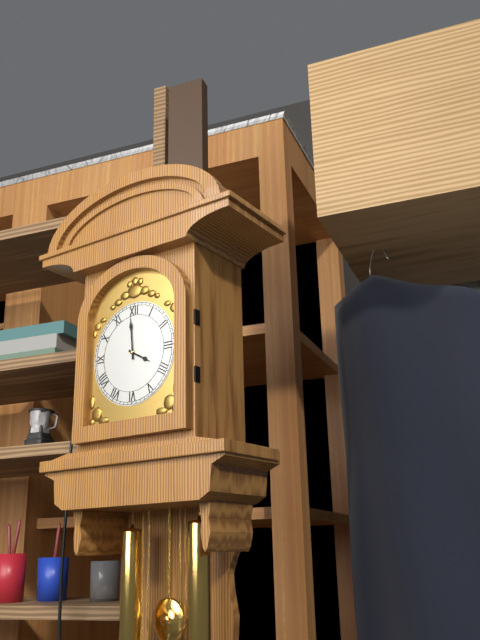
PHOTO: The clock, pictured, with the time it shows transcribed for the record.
3:59
